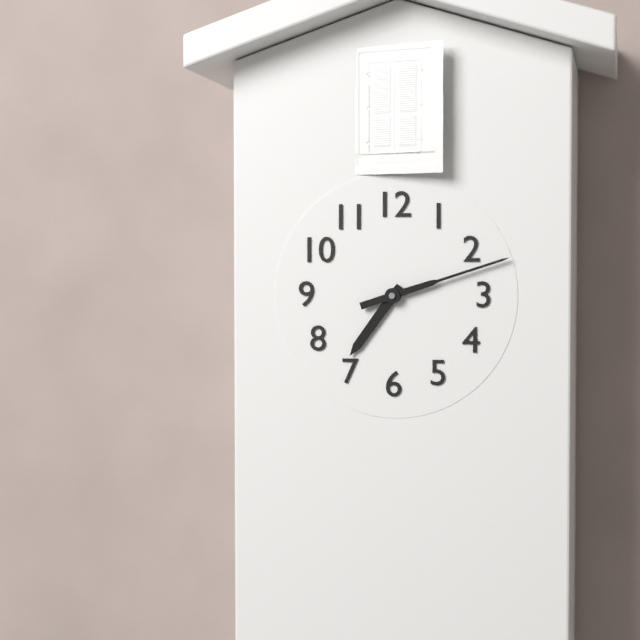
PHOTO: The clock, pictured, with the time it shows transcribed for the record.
7:12
